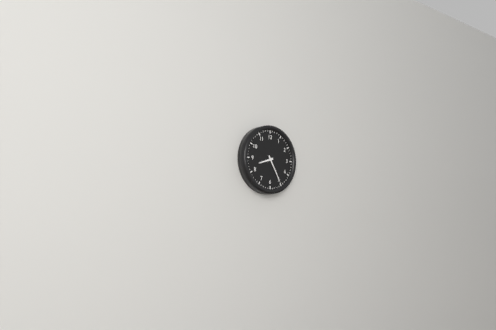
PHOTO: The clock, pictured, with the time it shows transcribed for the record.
8:25
